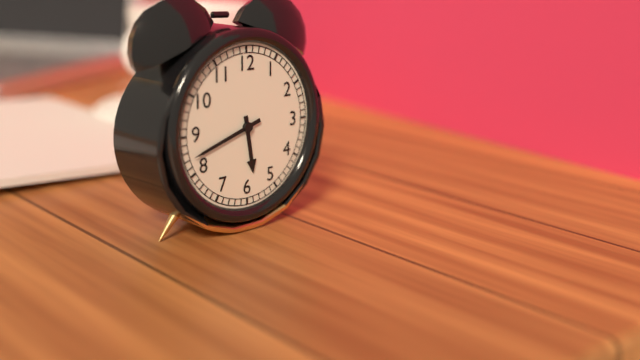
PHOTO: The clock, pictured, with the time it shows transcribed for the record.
5:42
